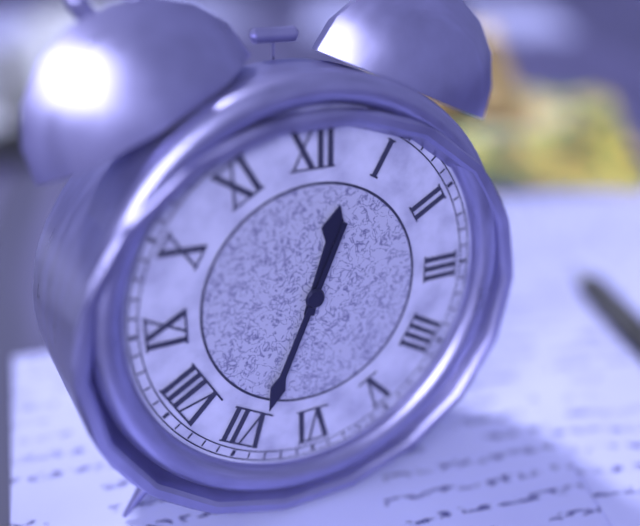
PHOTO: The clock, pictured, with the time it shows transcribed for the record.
12:34
